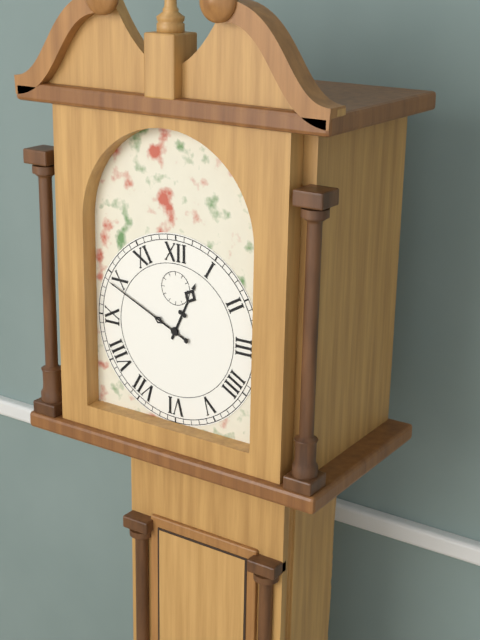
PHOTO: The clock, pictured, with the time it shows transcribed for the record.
12:49
